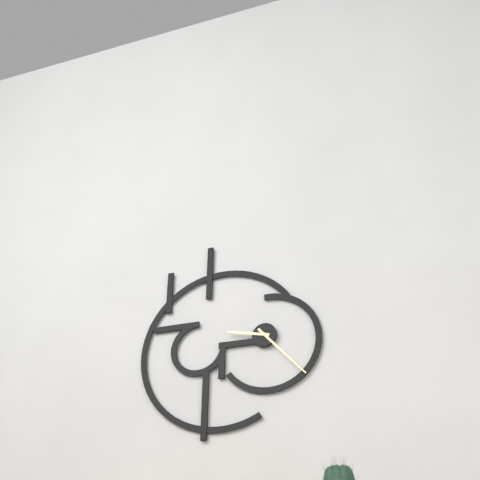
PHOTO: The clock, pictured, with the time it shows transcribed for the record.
9:23
